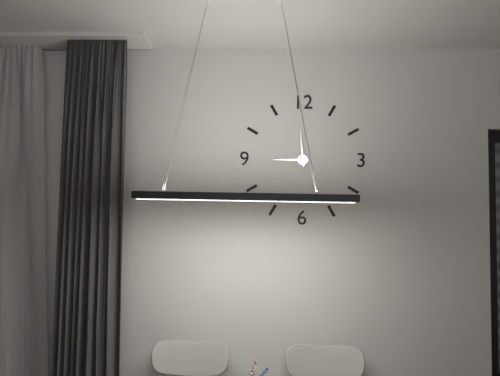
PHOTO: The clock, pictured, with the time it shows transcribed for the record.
8:59
